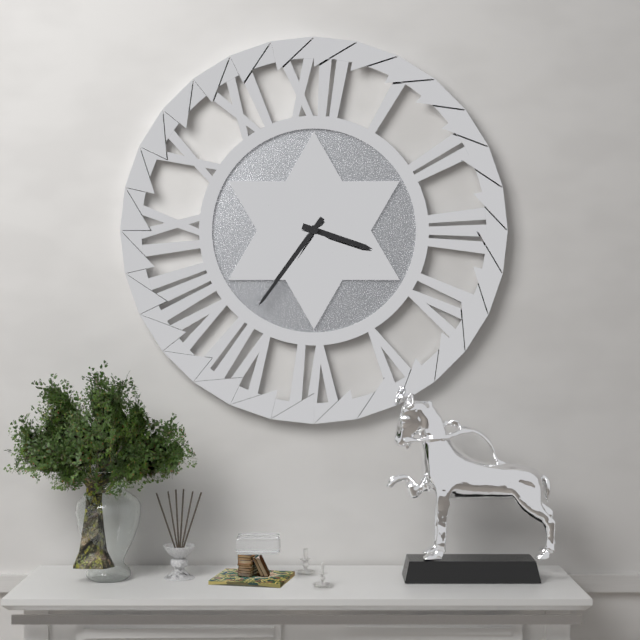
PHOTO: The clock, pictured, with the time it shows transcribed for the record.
3:36
